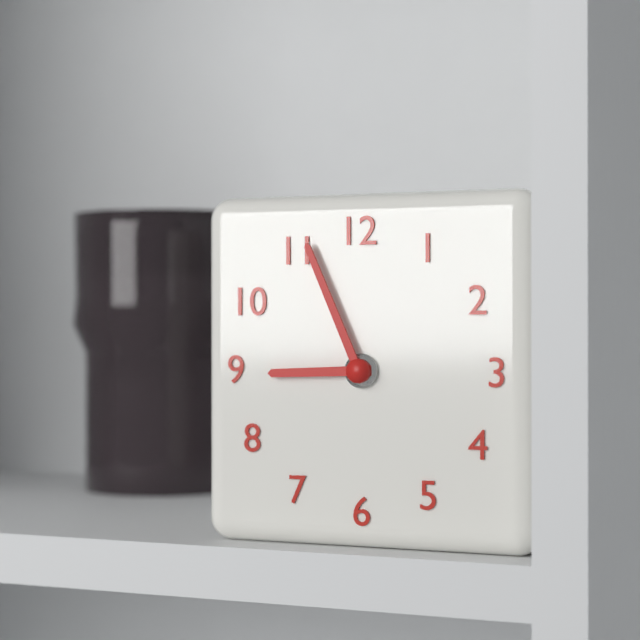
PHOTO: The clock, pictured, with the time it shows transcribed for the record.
8:56
